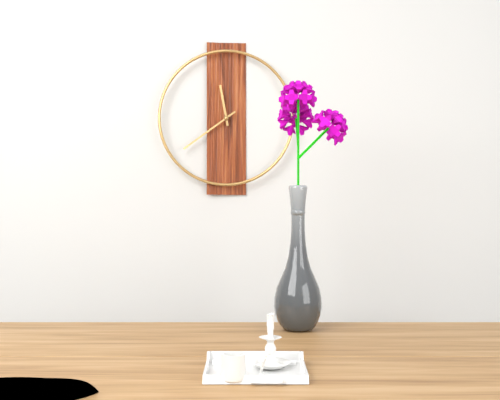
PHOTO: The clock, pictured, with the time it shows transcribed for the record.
11:39
